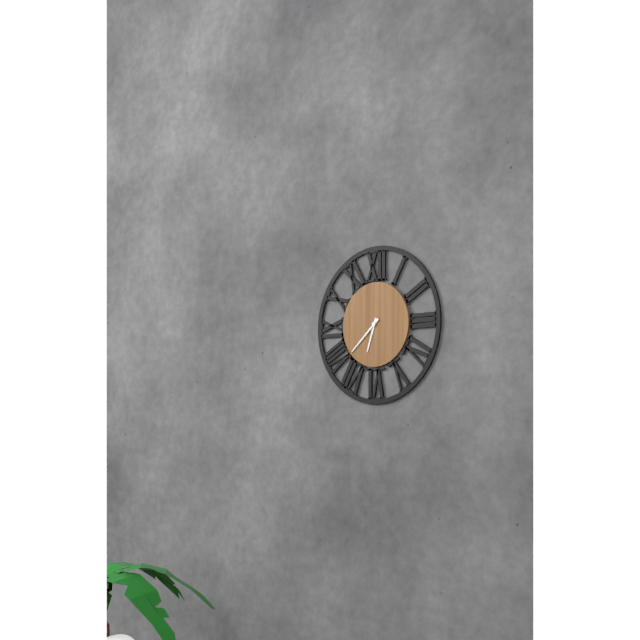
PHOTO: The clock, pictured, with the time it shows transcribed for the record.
6:38
